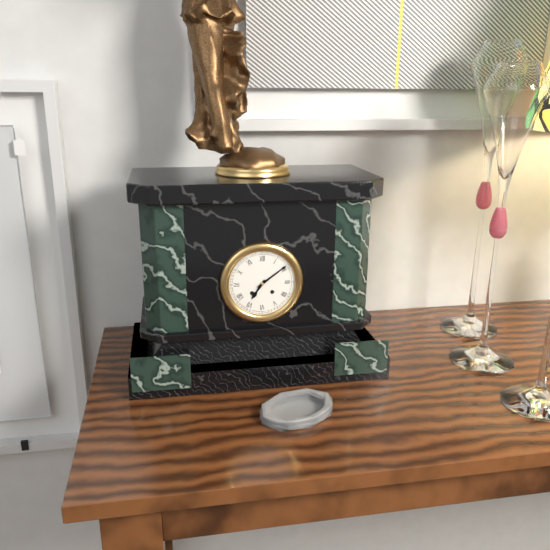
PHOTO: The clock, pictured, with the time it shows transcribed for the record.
7:09
